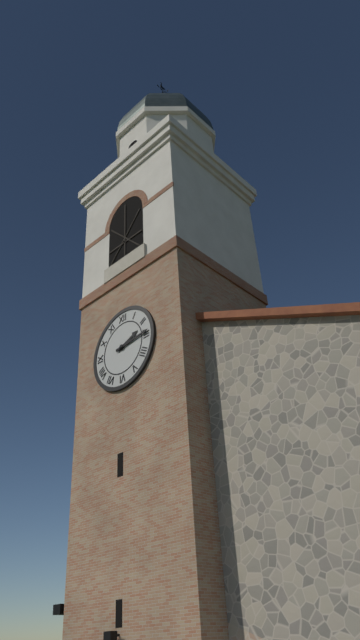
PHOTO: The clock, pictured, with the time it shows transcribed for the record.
2:14
